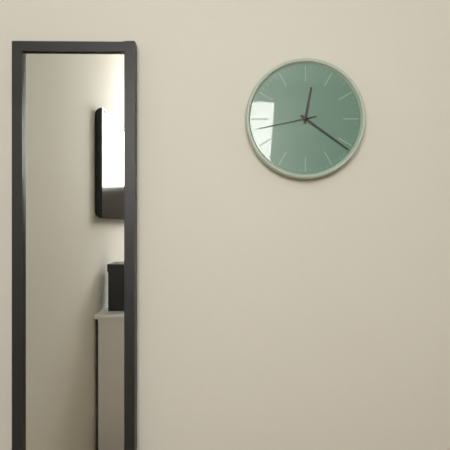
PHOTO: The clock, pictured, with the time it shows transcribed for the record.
12:21:43
